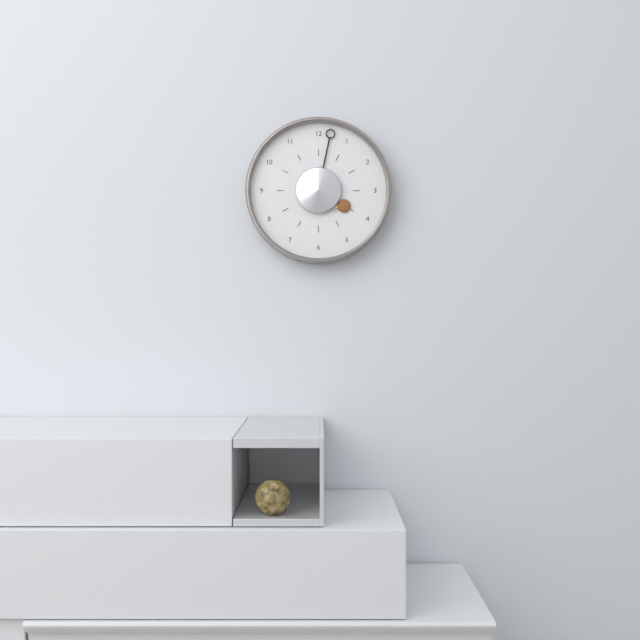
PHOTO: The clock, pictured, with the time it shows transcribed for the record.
4:02
